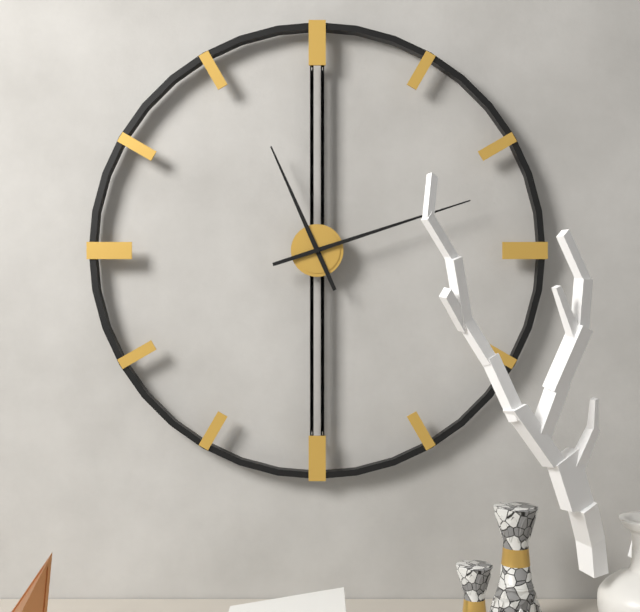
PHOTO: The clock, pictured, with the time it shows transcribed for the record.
11:12
